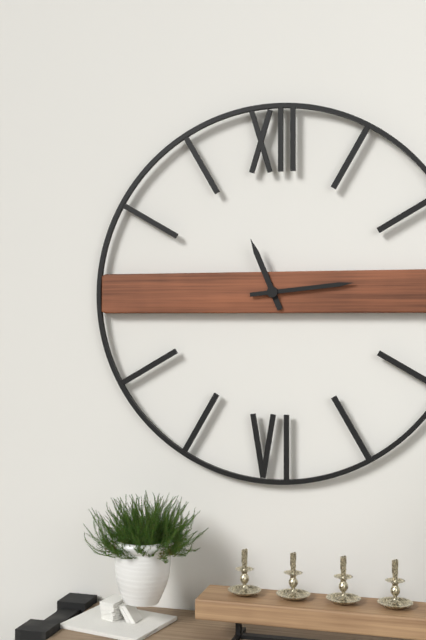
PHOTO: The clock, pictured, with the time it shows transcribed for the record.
11:14
